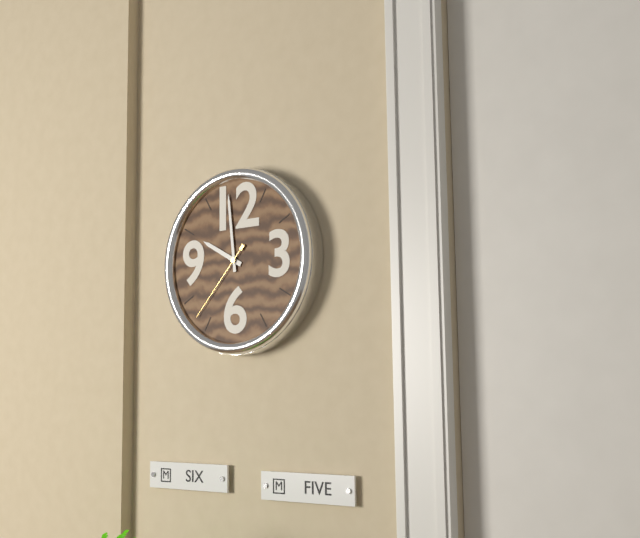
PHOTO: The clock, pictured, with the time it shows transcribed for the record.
9:59:37
